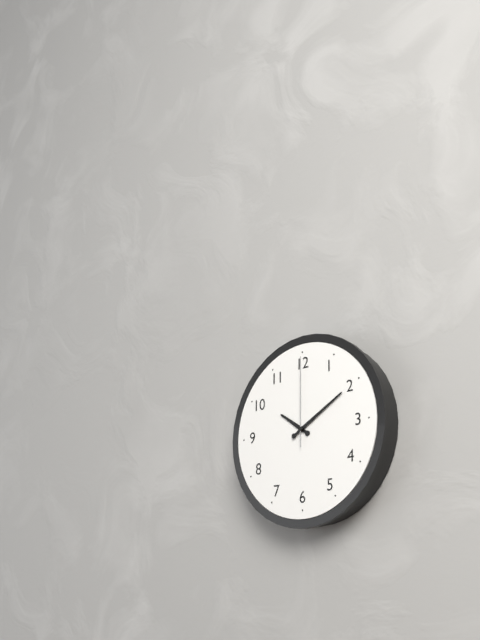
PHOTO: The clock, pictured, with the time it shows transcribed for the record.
10:10:00
